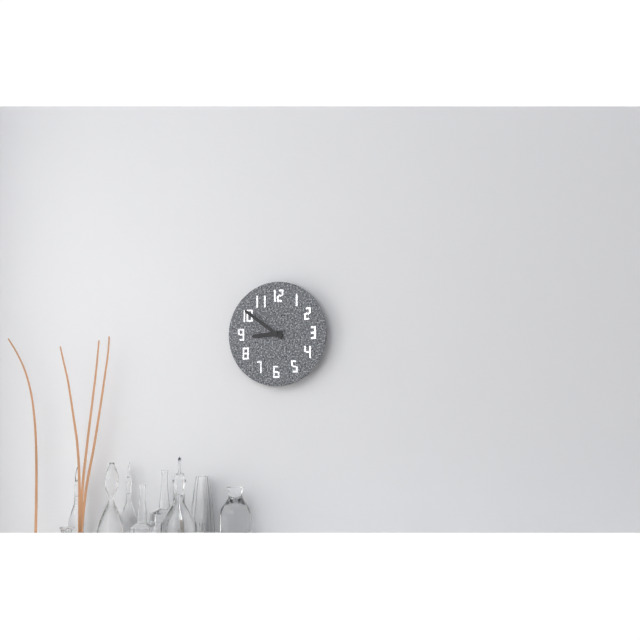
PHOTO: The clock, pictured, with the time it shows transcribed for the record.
8:51
